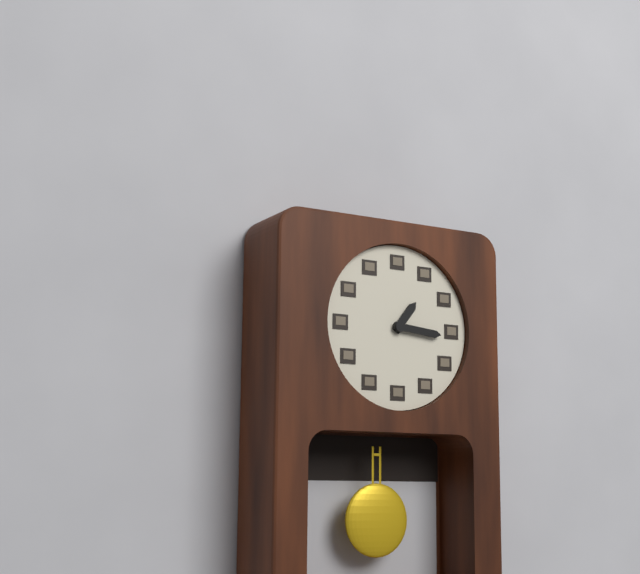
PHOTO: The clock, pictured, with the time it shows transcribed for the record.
1:16
